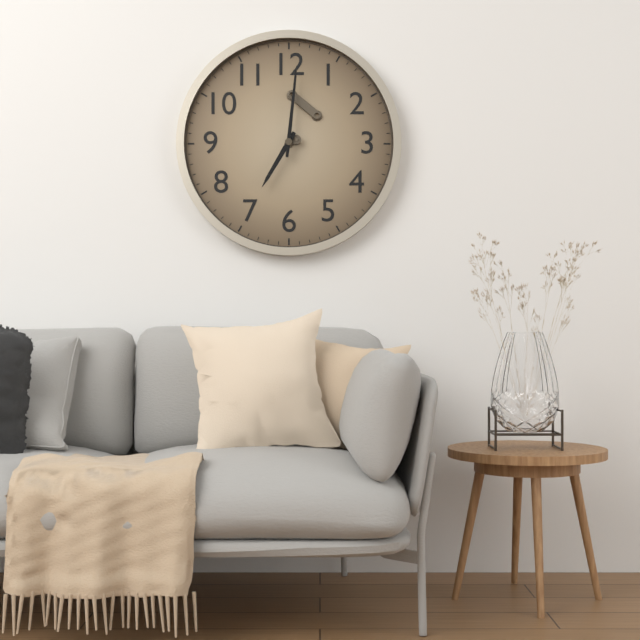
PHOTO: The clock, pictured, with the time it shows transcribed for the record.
7:01
